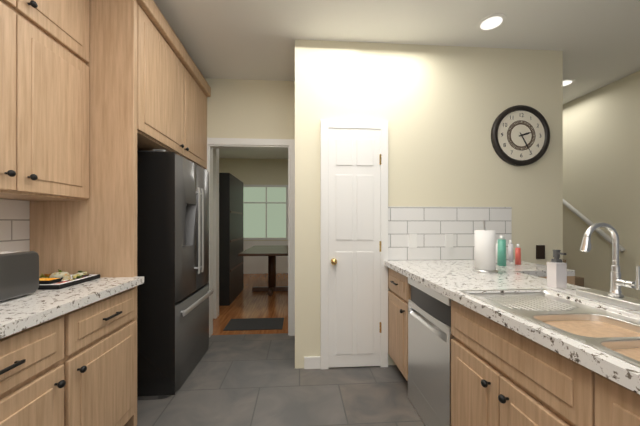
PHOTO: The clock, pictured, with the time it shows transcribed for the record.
2:25
